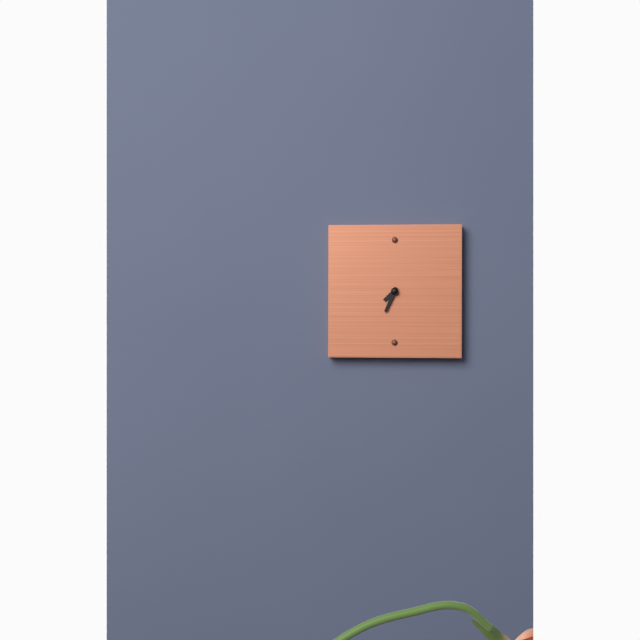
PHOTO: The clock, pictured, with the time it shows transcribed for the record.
7:34
